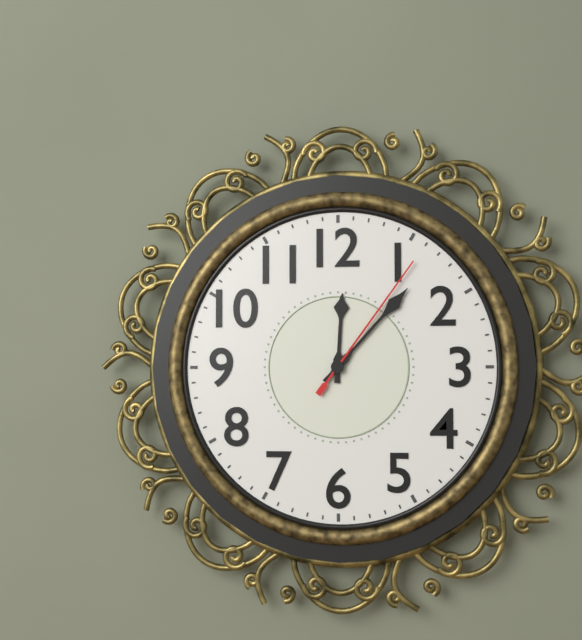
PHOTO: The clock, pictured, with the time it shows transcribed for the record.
12:07:06
